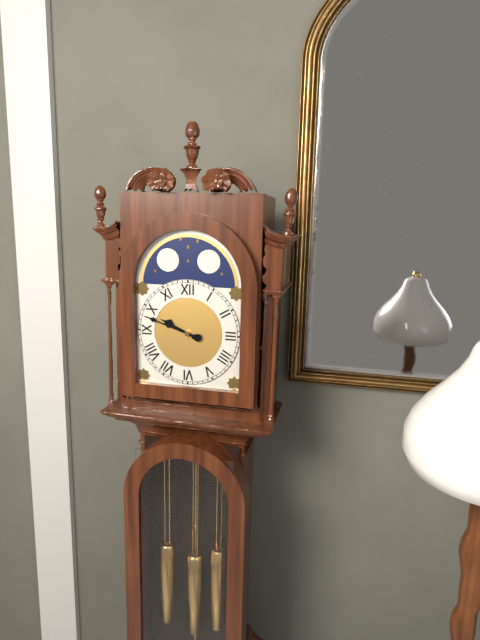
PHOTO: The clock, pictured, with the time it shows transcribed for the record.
9:48
